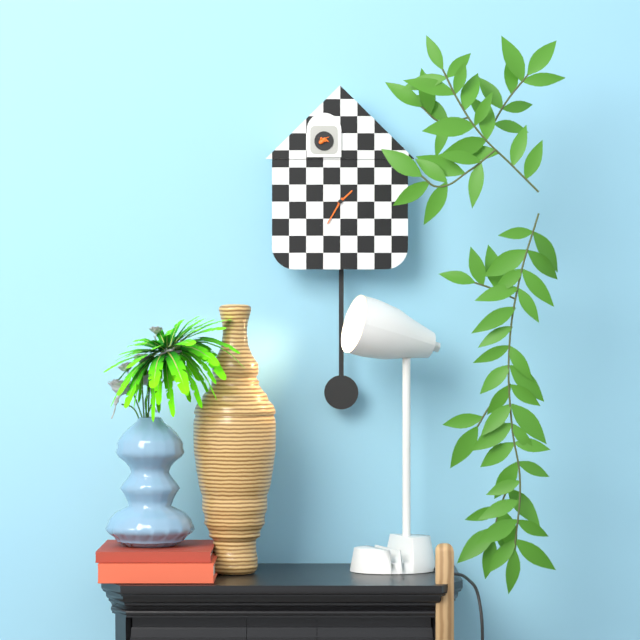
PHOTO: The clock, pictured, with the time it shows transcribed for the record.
1:35
